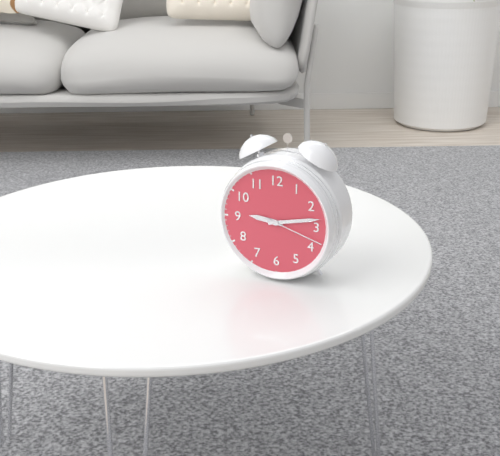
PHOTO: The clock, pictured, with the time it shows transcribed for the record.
9:13:18
